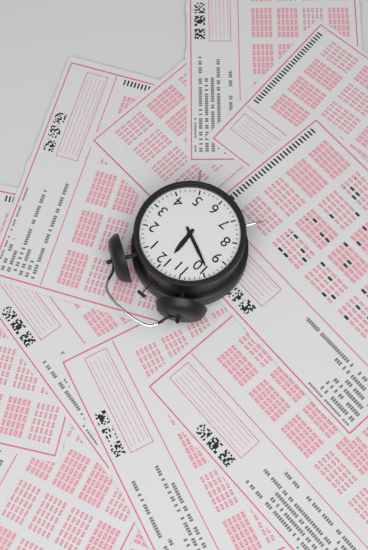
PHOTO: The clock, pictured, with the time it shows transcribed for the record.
11:49
